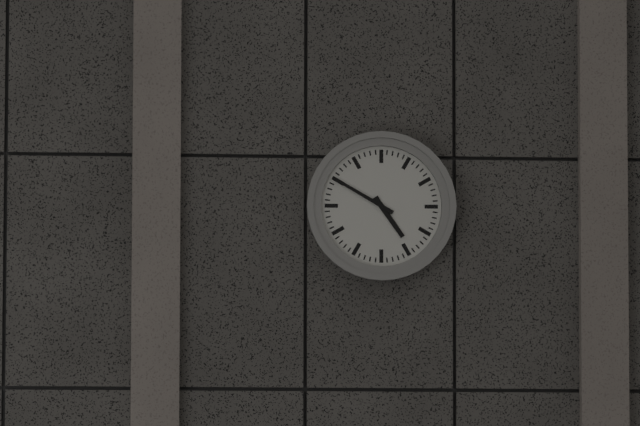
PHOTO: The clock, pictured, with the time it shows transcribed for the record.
4:50
